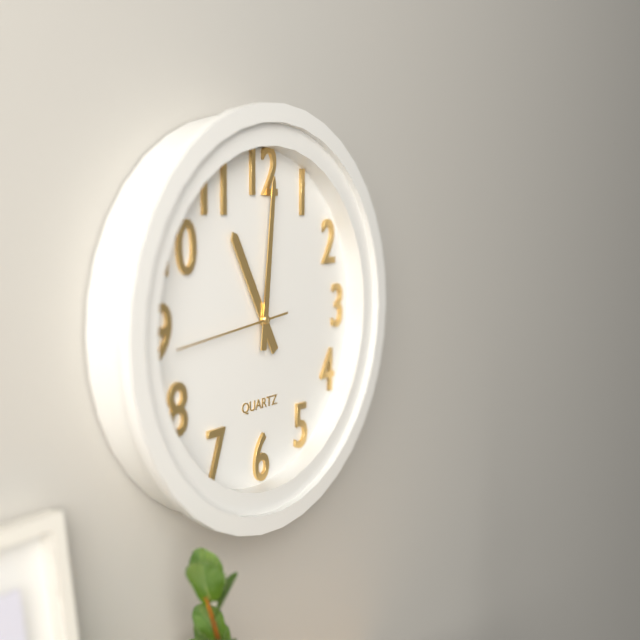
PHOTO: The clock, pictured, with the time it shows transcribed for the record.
11:01:44
